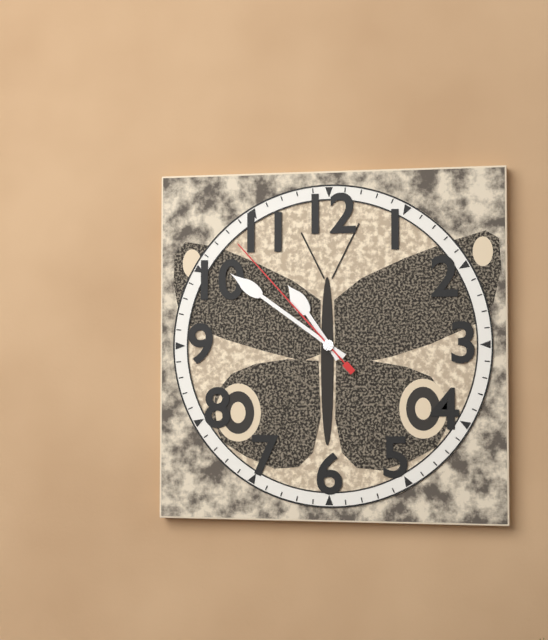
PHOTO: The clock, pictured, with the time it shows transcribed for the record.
10:51:53
